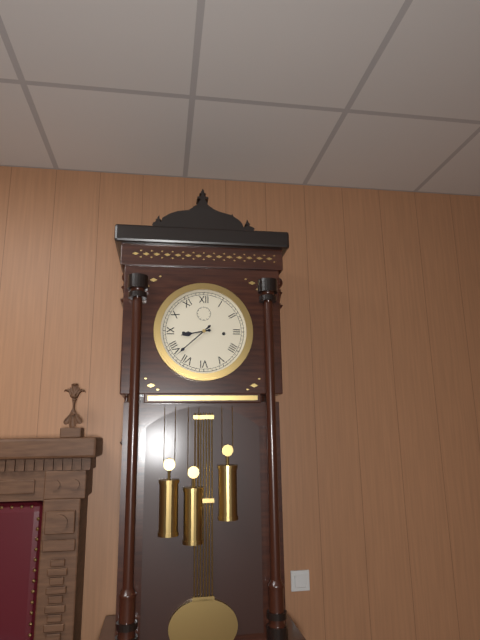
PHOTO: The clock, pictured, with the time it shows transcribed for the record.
8:38
